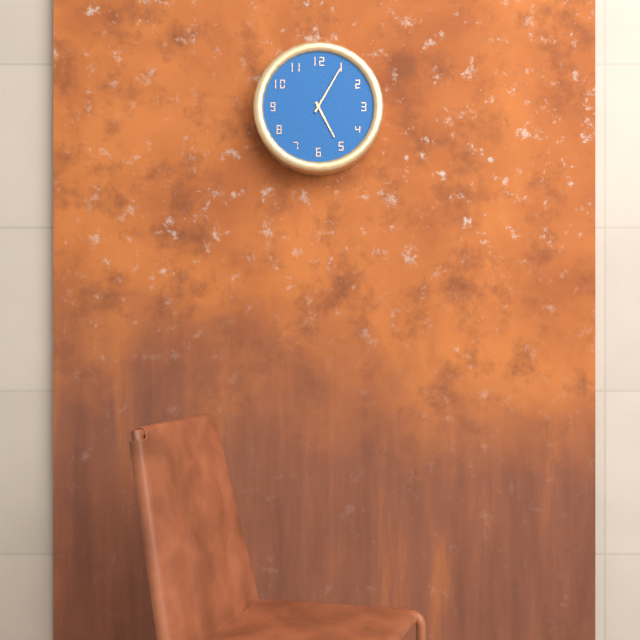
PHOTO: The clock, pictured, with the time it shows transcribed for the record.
5:05
